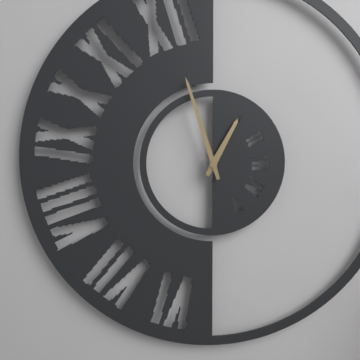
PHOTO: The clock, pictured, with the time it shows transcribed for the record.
12:57
